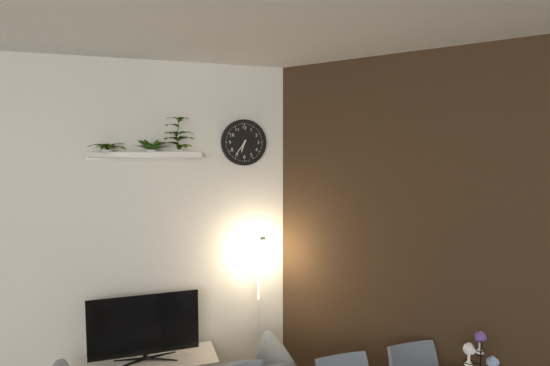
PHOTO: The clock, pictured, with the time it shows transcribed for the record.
6:36
